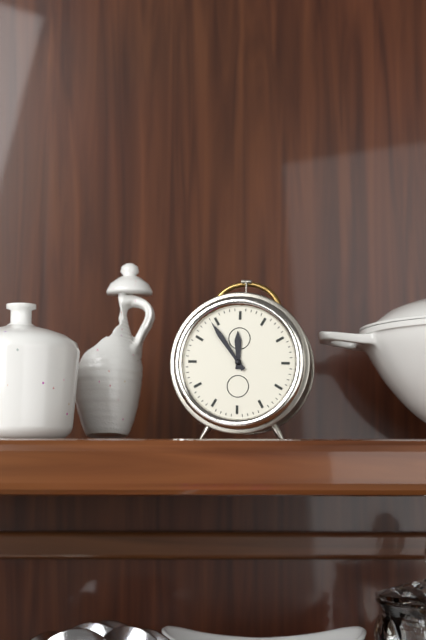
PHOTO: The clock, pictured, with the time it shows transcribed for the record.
11:54
